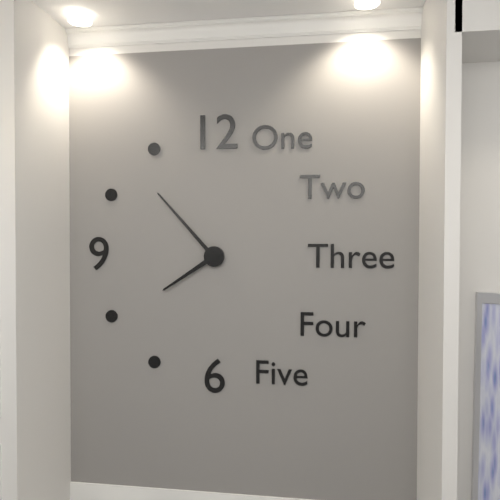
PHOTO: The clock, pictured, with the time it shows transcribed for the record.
7:53
